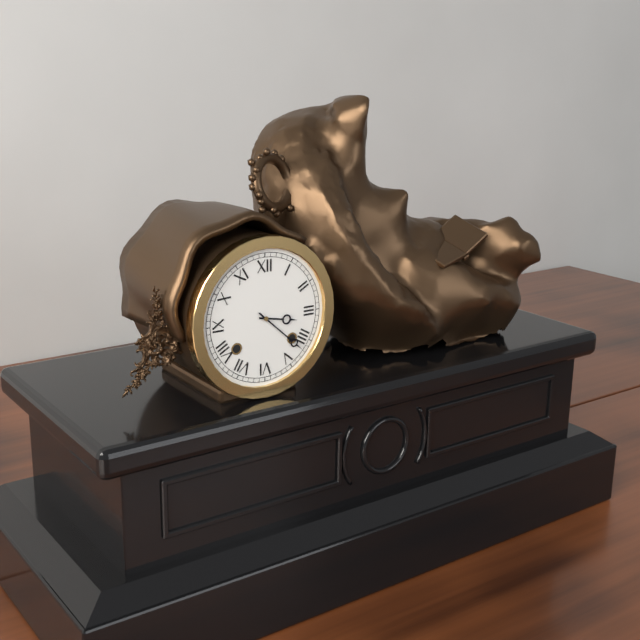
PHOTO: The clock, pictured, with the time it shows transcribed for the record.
3:22
